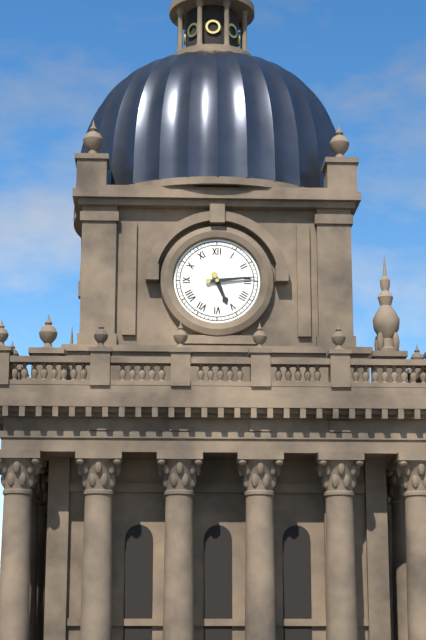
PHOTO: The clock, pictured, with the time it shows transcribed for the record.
5:14
